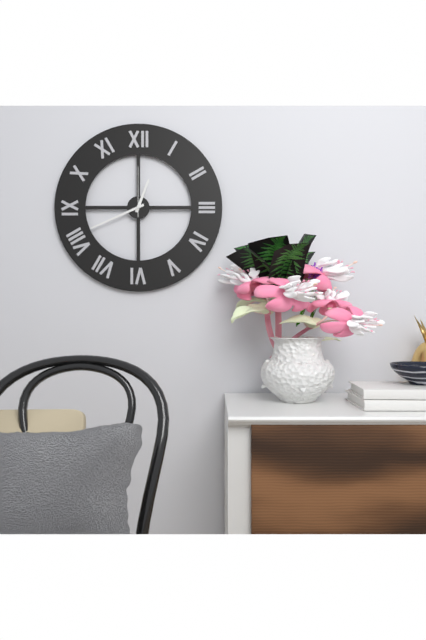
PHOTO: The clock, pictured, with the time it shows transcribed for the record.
12:41:00
